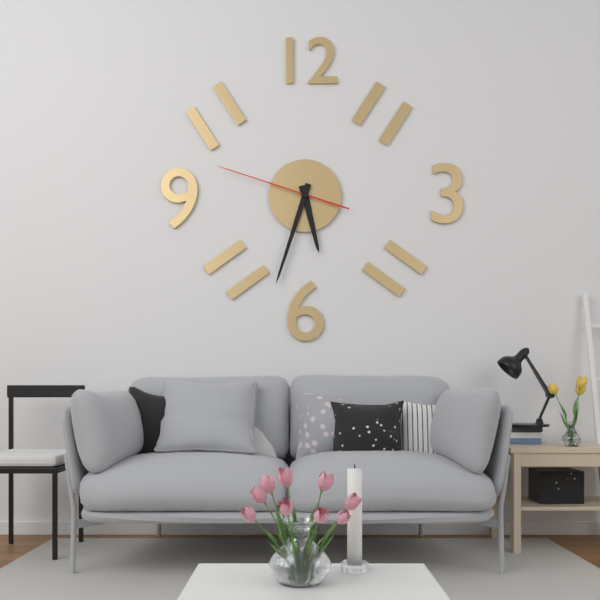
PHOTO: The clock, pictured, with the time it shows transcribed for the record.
5:33:48
